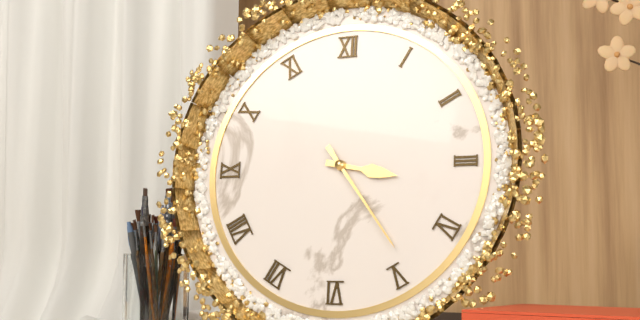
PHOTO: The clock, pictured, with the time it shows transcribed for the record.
3:24
